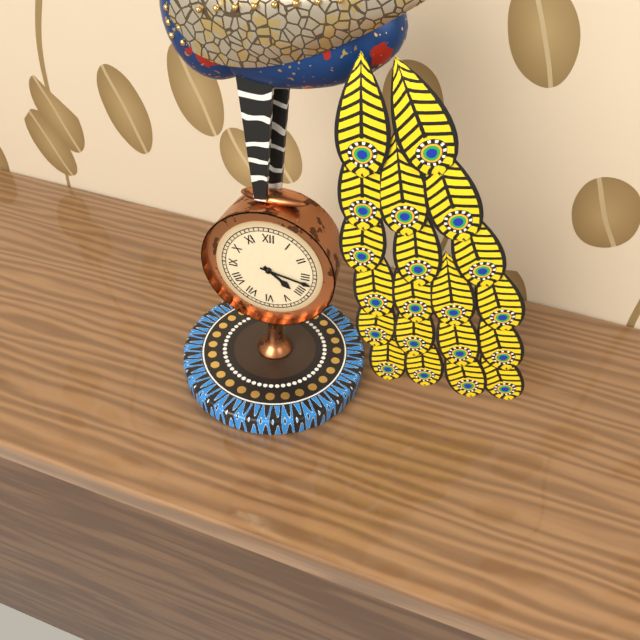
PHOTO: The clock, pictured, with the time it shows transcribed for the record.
4:17
